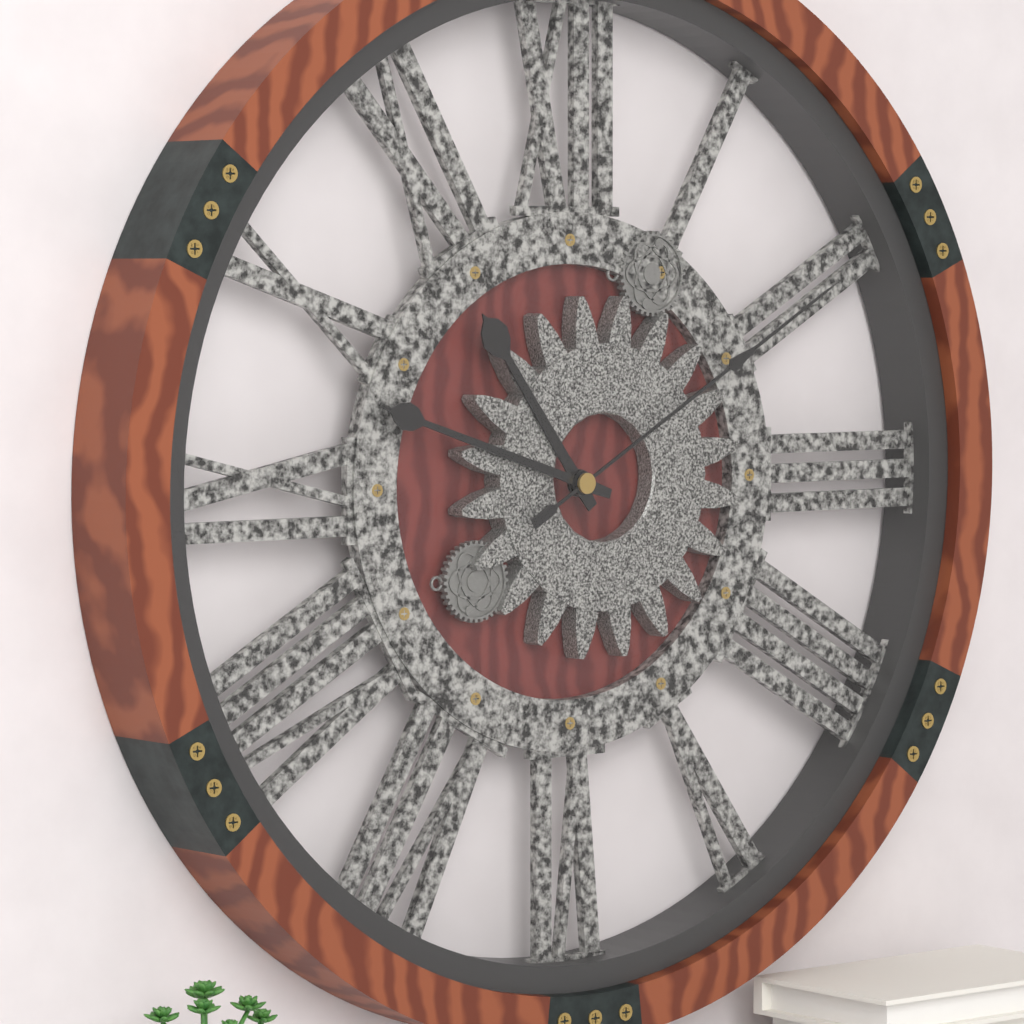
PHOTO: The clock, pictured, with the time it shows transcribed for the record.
10:48:10
